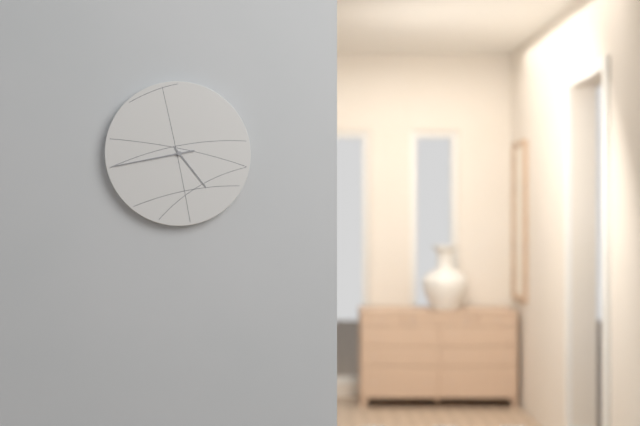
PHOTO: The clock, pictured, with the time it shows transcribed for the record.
4:43
